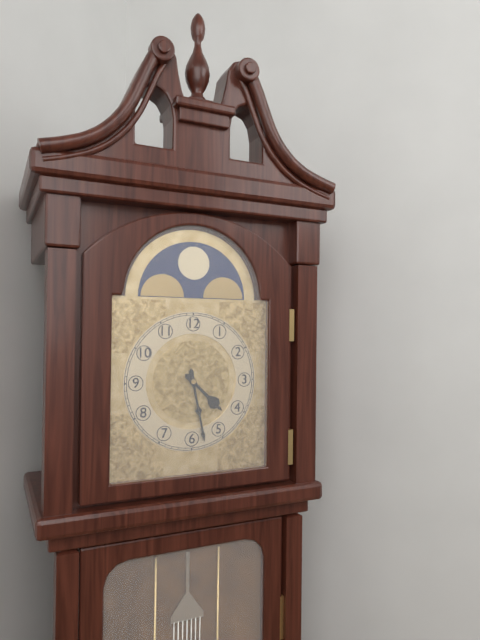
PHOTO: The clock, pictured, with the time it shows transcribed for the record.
4:28
